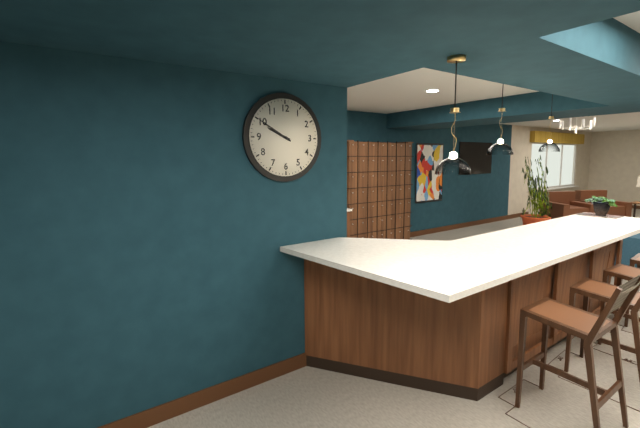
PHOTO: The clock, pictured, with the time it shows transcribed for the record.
9:50
